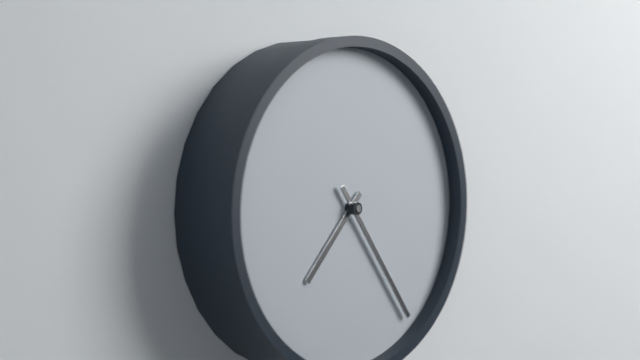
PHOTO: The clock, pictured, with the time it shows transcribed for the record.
7:24
